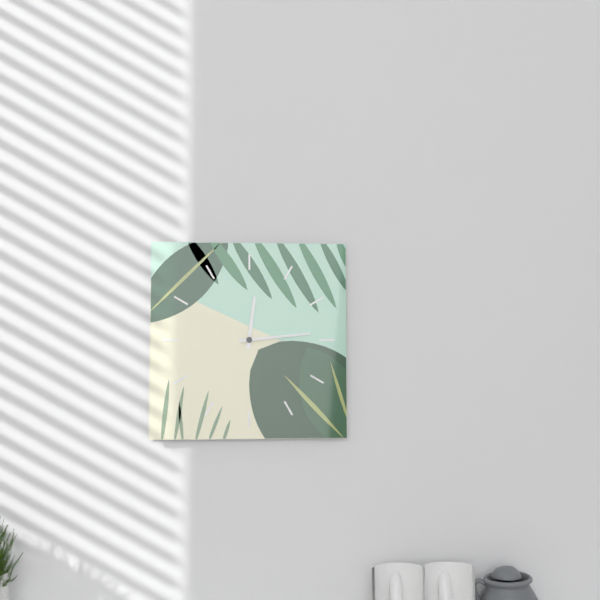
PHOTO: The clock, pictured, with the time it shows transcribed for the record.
12:14
